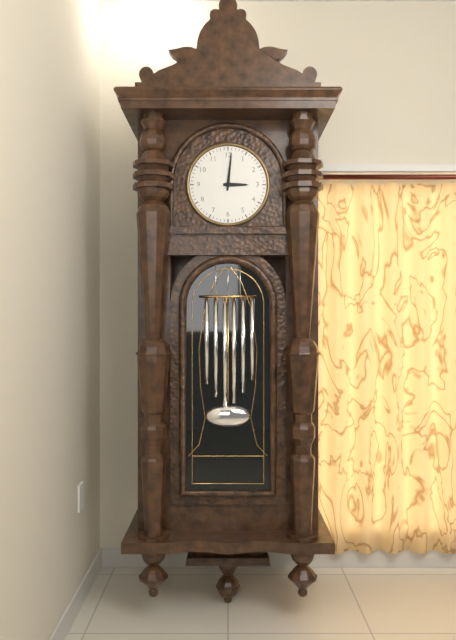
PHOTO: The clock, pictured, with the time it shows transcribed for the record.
3:01
